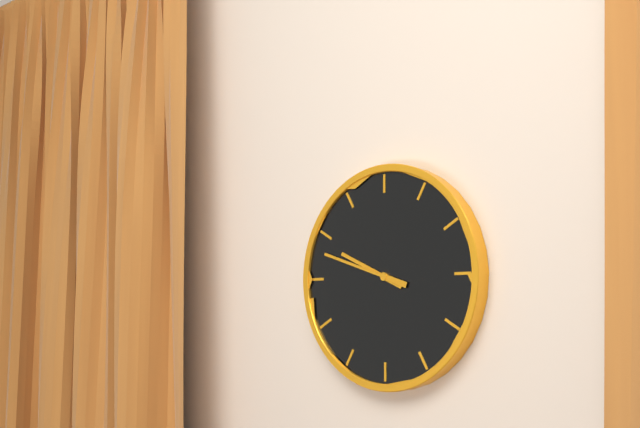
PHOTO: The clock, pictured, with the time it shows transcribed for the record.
9:48
